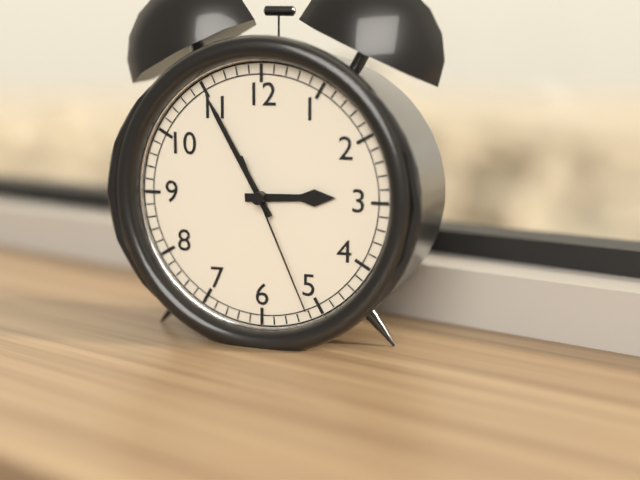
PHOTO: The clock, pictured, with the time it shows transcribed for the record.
2:55:26
